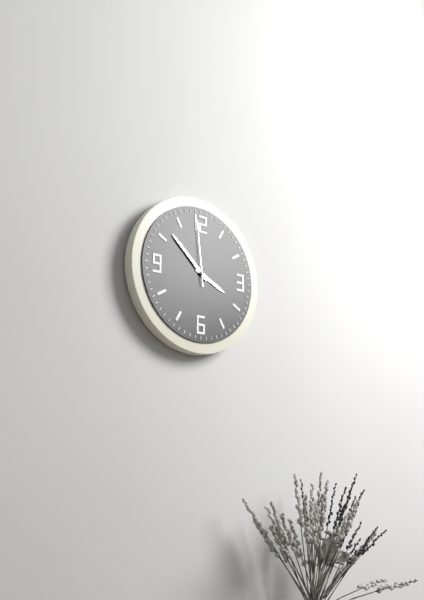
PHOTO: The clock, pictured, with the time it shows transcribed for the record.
3:52:59
